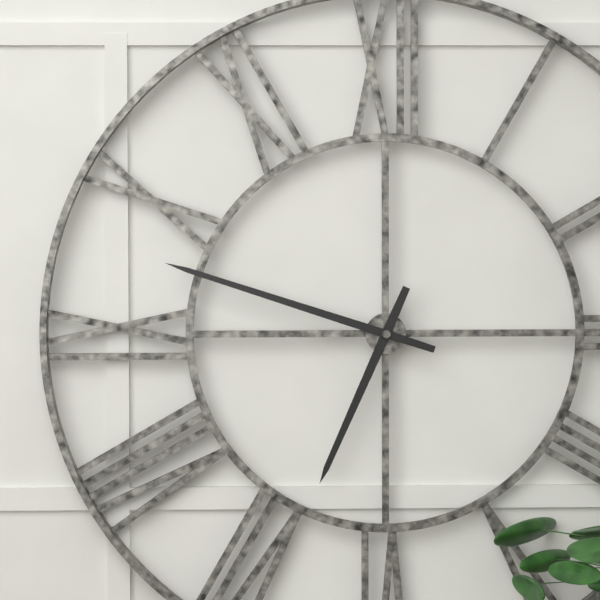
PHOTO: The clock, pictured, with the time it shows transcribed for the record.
6:48
